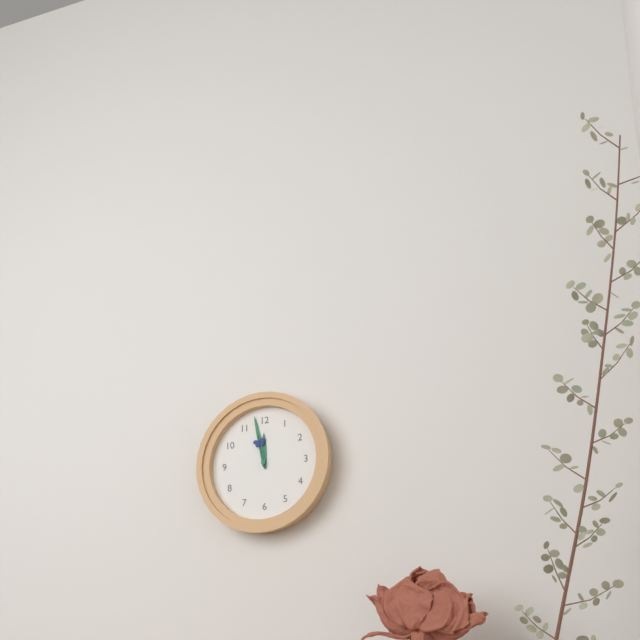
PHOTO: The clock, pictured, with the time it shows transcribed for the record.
11:58
